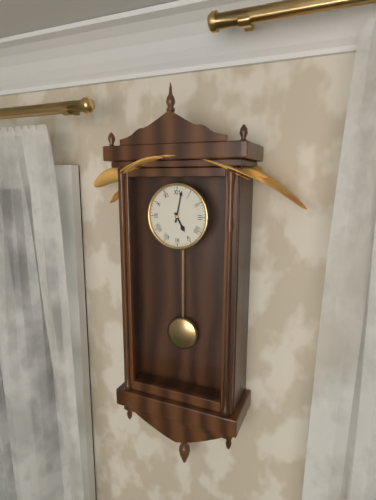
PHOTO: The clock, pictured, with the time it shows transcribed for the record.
5:02
